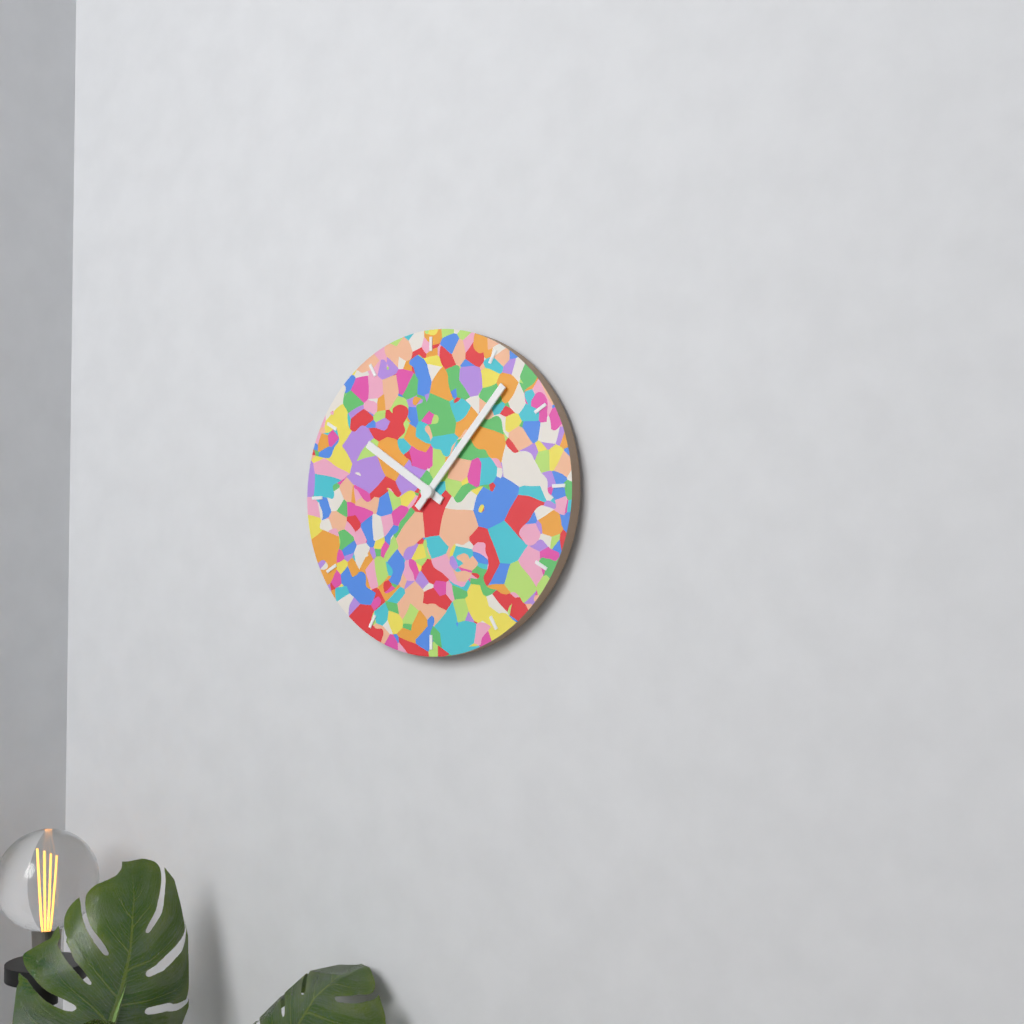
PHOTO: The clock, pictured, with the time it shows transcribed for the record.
10:07
